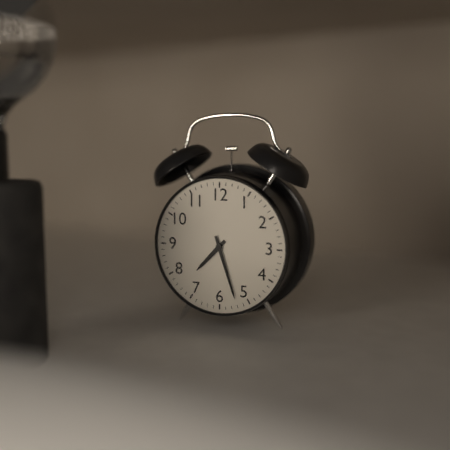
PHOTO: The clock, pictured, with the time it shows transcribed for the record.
7:27
